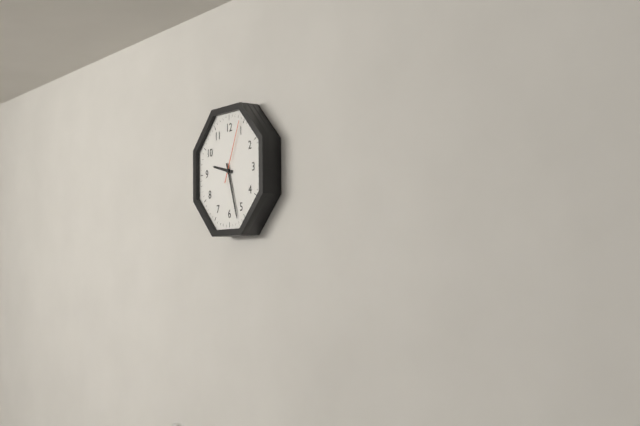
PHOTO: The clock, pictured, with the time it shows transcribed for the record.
9:27:04
